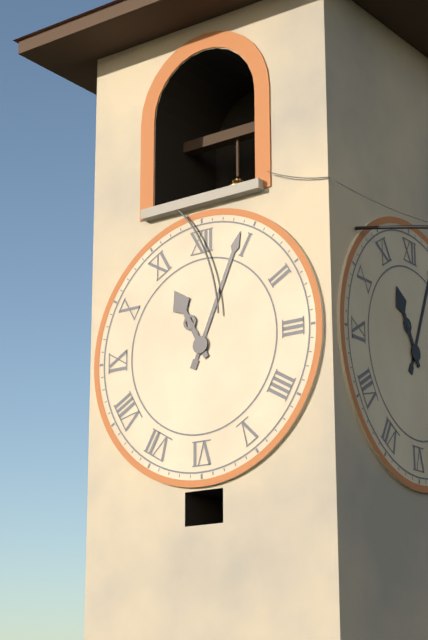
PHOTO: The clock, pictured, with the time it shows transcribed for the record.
11:04
